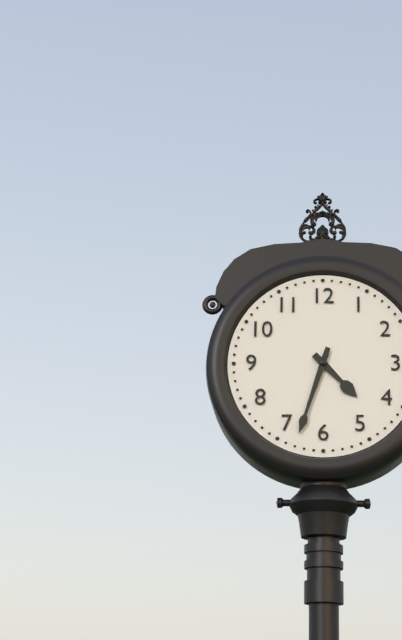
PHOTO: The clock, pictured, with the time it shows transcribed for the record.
4:33
